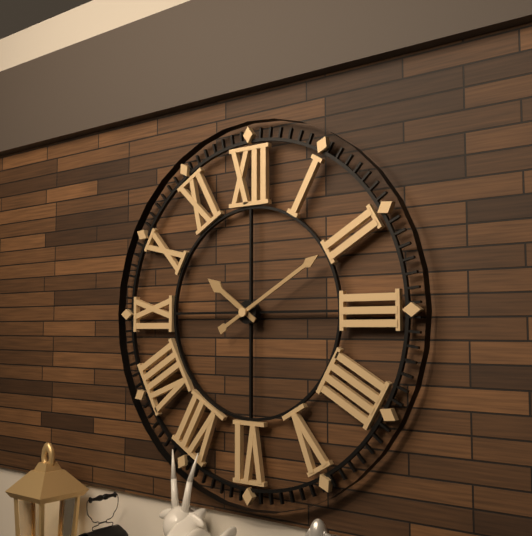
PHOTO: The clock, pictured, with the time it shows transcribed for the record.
10:10
